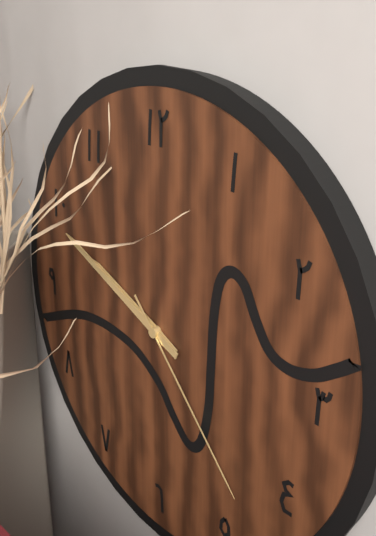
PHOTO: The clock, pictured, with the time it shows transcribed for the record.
9:49:23
